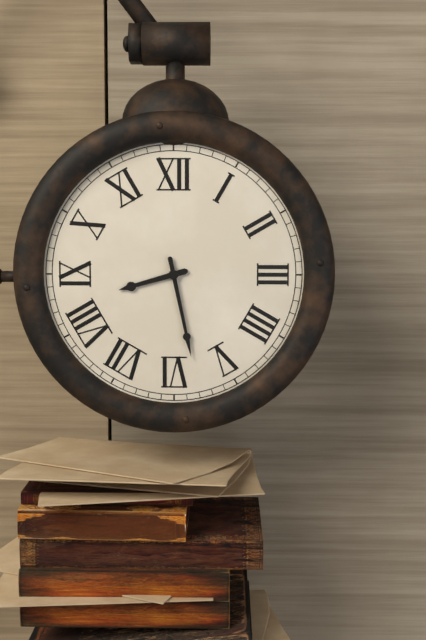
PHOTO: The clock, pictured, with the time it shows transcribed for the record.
8:28
